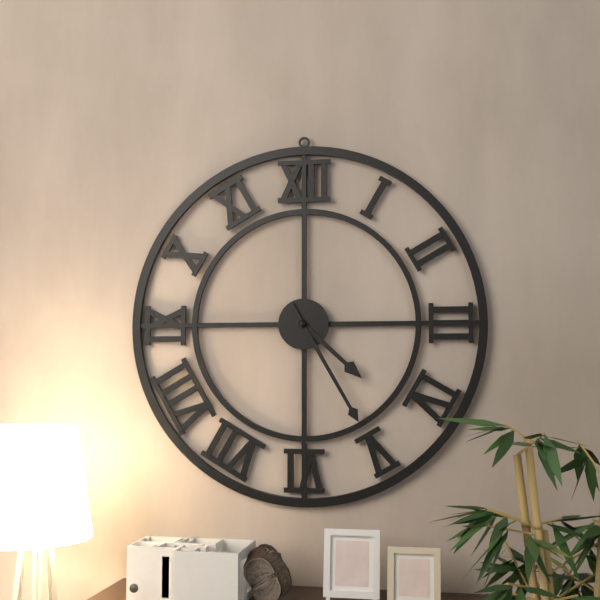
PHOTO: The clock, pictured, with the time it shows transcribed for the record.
4:25
